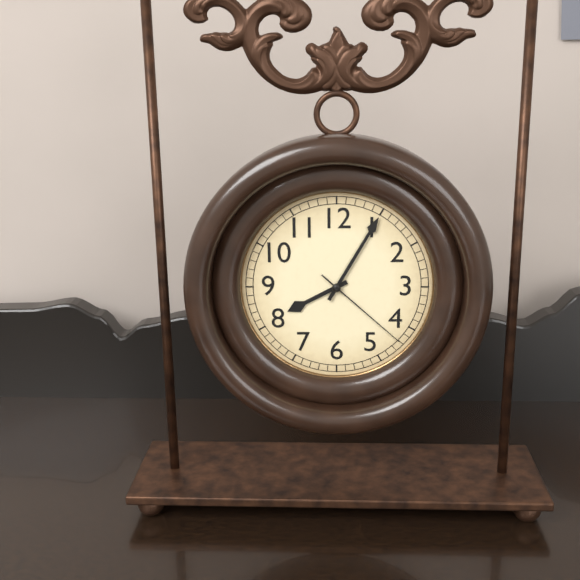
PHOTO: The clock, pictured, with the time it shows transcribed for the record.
8:05:22
